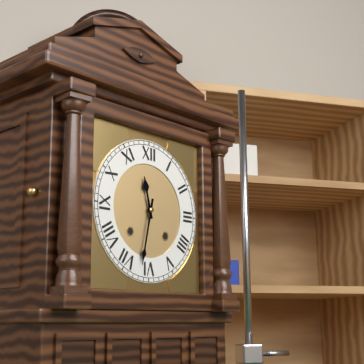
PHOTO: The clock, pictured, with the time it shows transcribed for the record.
11:32
